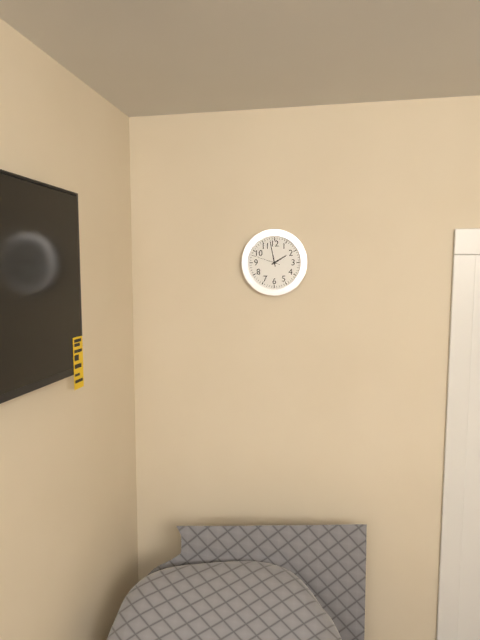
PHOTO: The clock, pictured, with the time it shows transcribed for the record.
1:58
